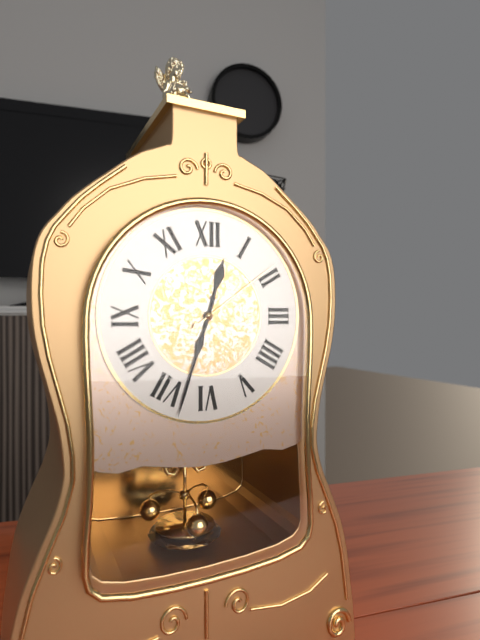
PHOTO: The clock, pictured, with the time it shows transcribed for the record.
12:33:09
